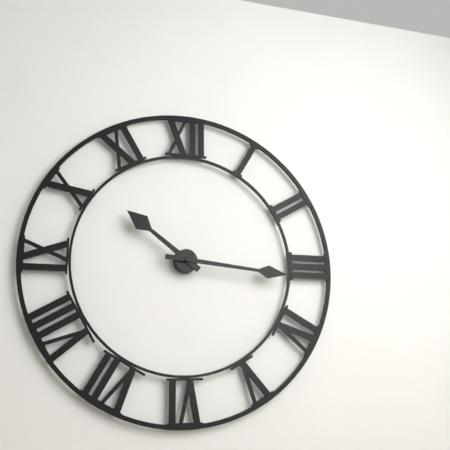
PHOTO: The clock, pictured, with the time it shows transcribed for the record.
10:16
